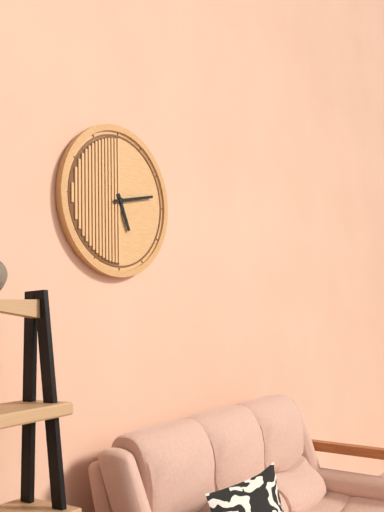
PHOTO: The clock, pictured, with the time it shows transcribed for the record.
5:13
